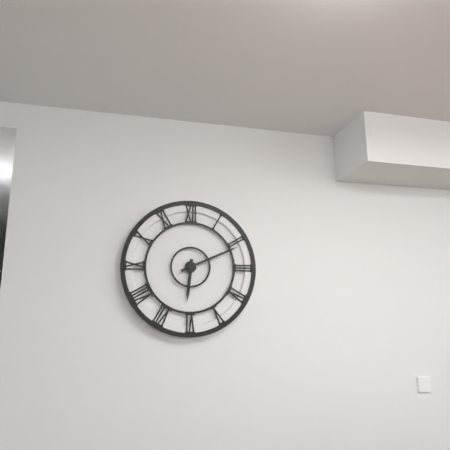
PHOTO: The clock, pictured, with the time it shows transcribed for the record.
6:11
